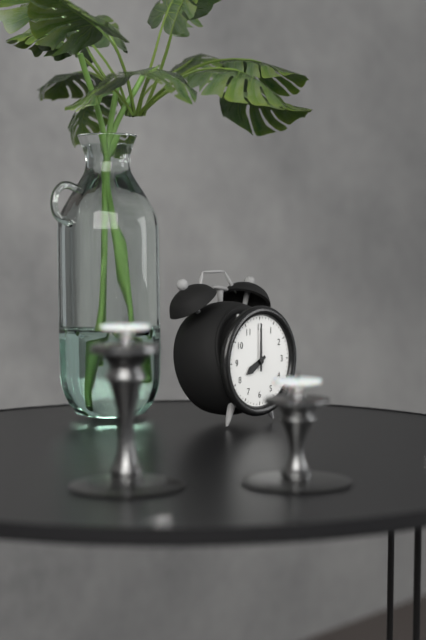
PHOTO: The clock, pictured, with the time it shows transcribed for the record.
8:00
